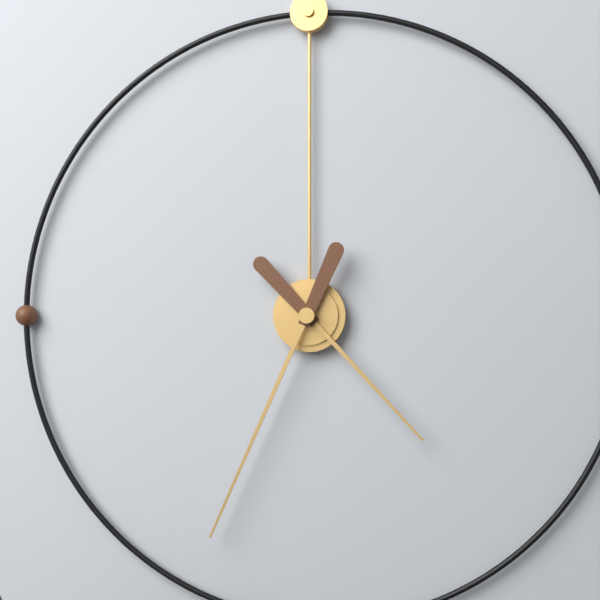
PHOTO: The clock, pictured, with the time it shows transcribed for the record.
4:34
